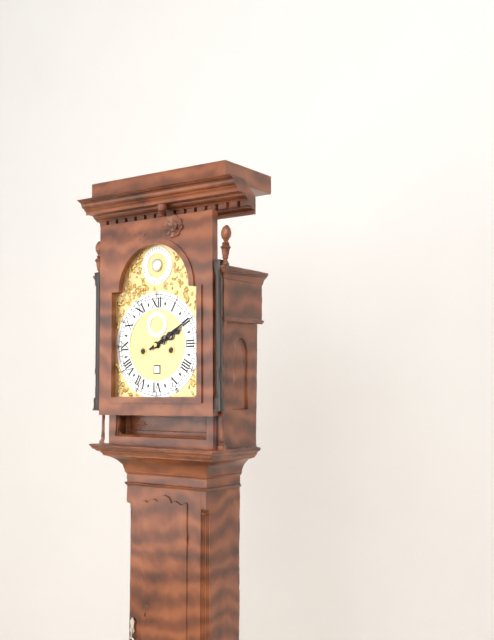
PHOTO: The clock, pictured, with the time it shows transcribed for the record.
2:10
